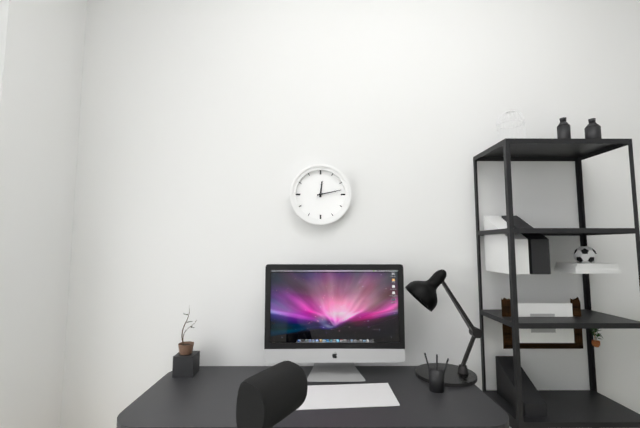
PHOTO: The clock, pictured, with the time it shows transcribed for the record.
12:13
